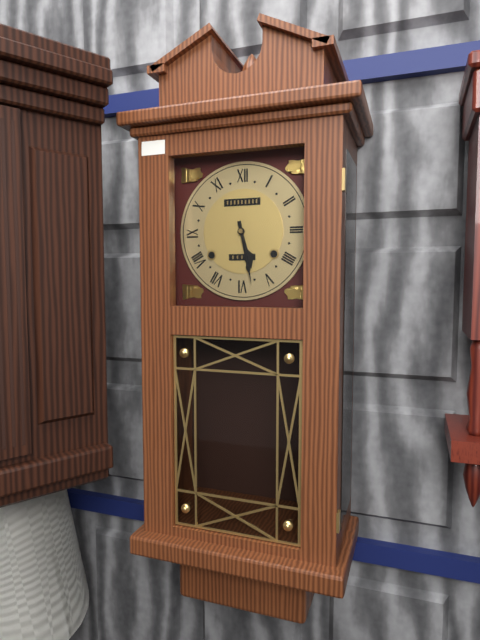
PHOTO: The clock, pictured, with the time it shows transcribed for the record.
5:28
